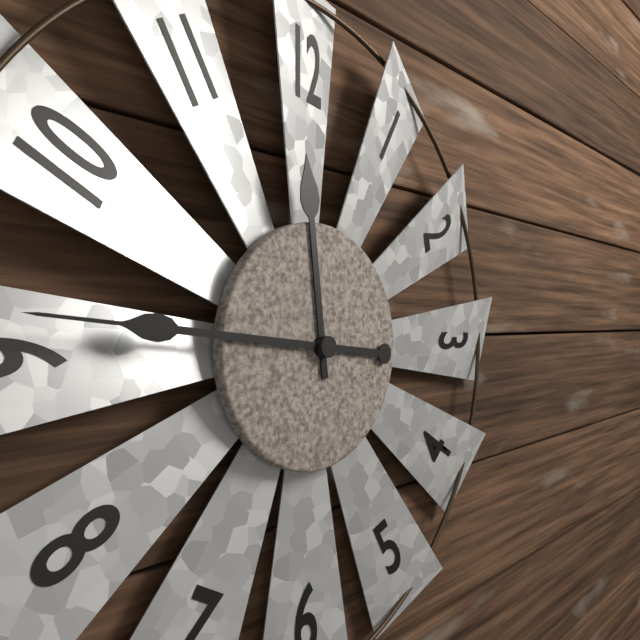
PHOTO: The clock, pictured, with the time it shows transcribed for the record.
11:46
